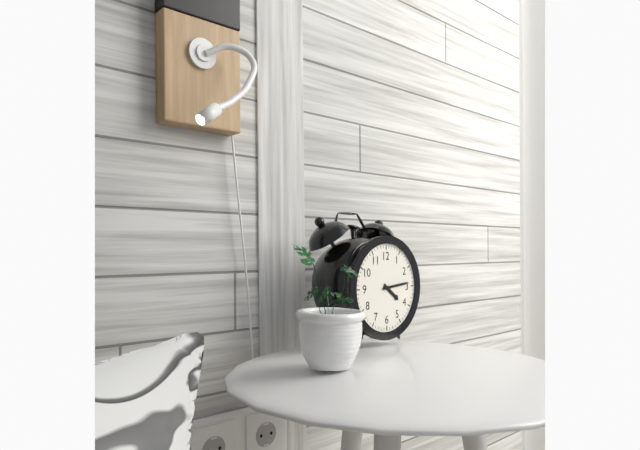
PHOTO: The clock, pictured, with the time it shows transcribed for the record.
4:14
